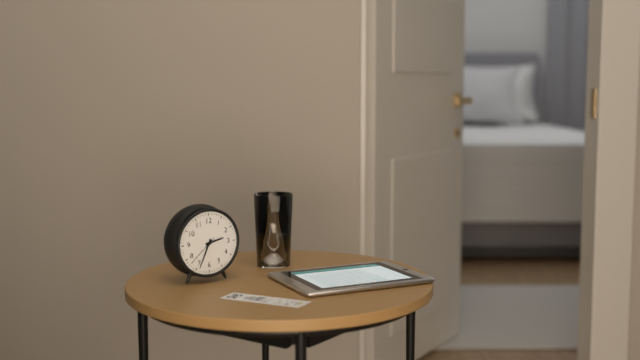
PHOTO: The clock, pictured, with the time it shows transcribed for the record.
2:34
